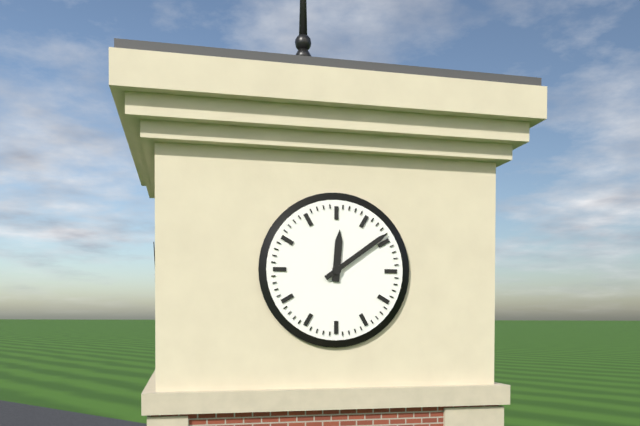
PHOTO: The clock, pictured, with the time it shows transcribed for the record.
12:09
